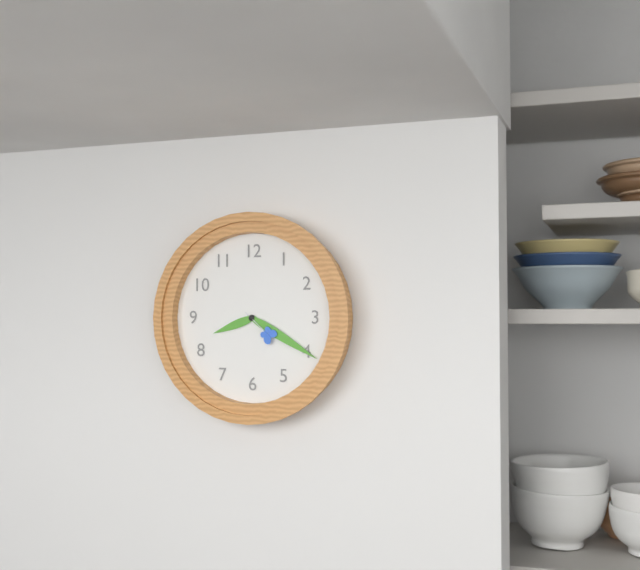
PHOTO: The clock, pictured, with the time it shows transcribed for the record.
8:20
